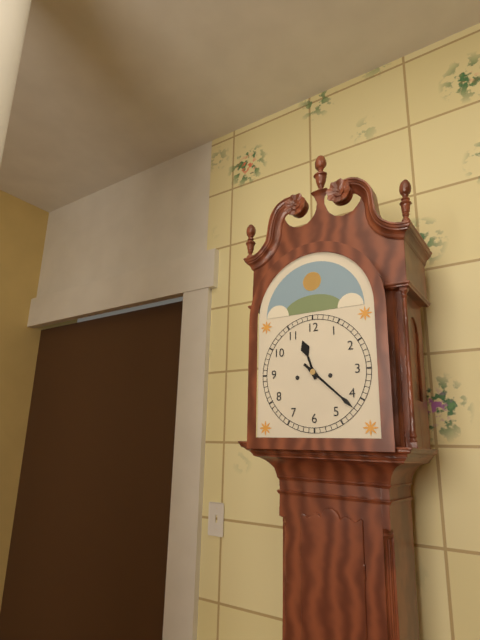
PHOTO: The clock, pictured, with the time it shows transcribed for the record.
11:22
